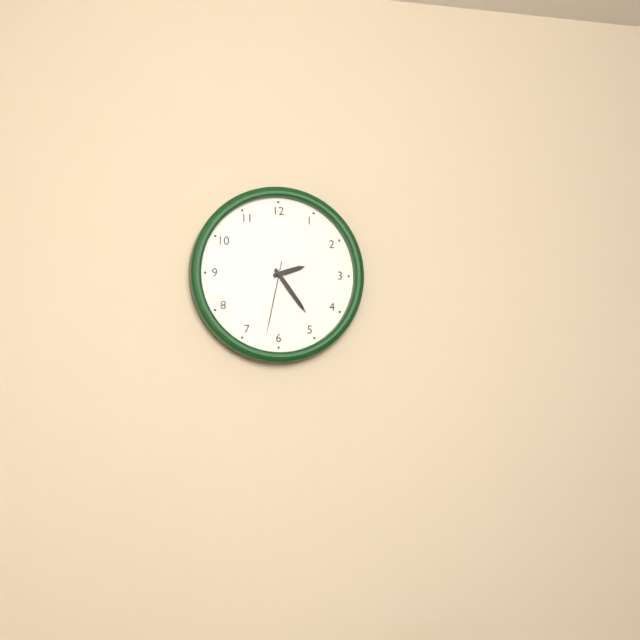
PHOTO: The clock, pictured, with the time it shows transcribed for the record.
2:24:32
